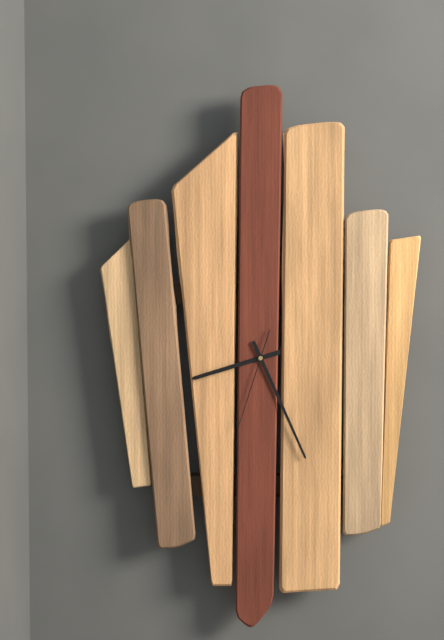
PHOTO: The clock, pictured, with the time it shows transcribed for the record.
8:26:33
